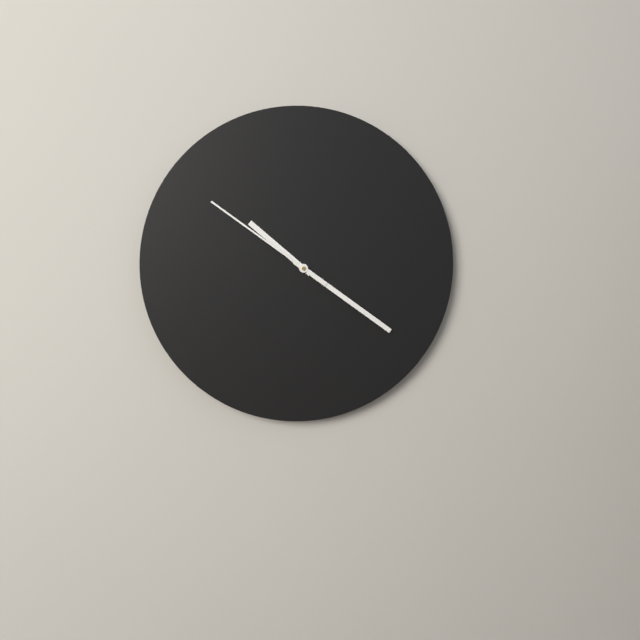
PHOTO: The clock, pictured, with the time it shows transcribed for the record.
10:21:51
